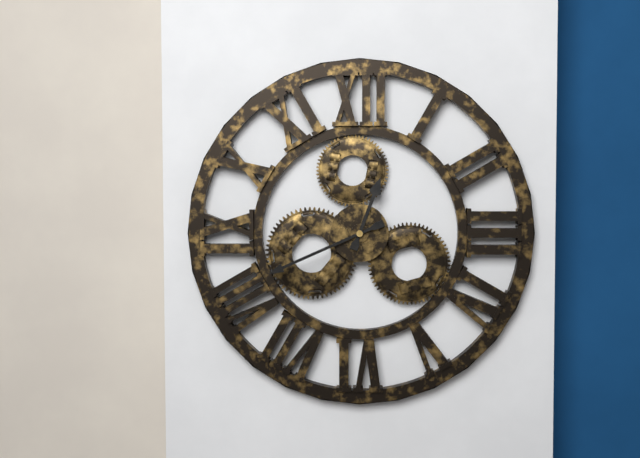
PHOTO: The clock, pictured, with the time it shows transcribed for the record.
12:41
